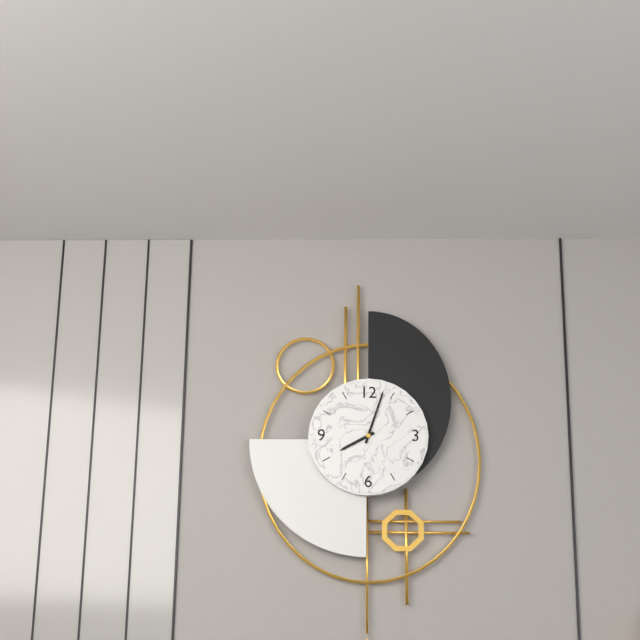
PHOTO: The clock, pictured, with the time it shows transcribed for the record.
8:03
